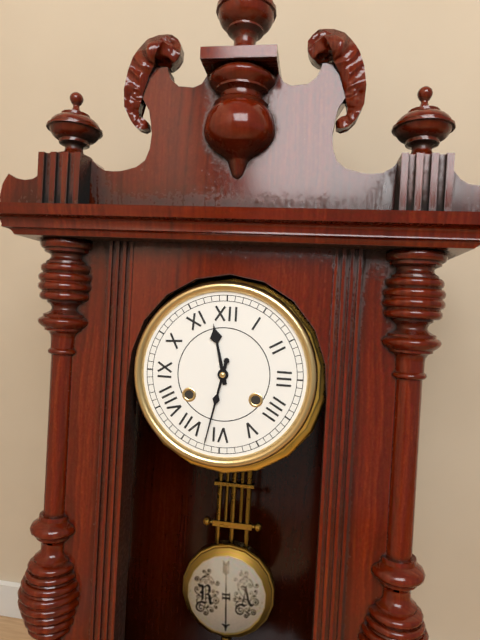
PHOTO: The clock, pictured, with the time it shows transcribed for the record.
11:32
